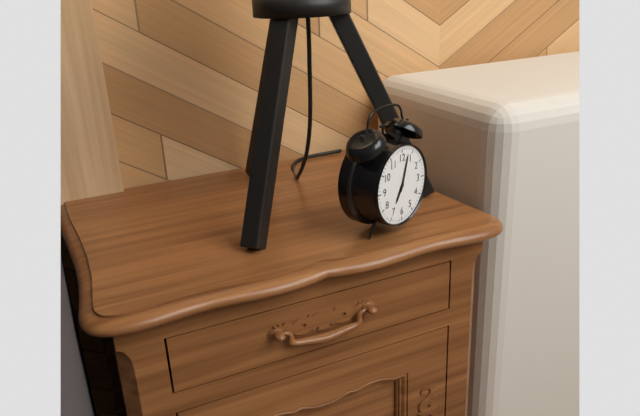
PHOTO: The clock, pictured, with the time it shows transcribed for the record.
7:03
